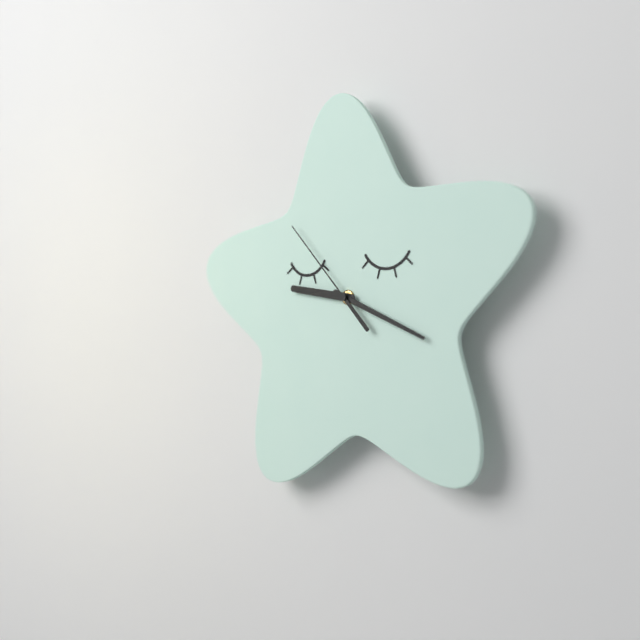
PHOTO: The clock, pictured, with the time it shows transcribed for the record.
9:19:53
